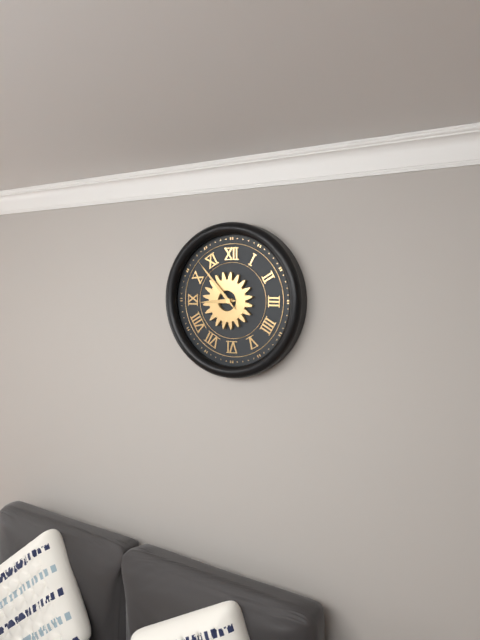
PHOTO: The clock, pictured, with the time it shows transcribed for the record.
8:53
